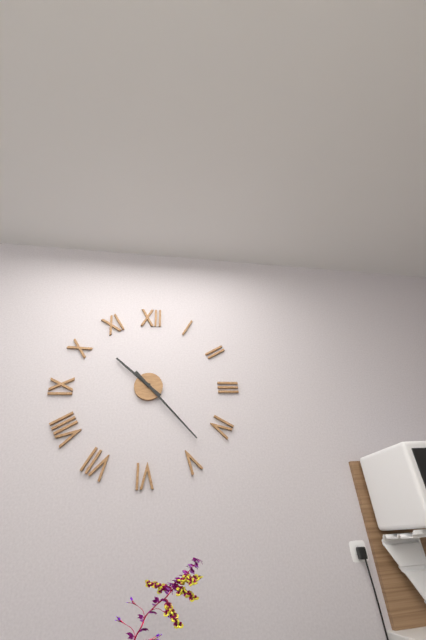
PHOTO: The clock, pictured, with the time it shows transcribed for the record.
10:23
